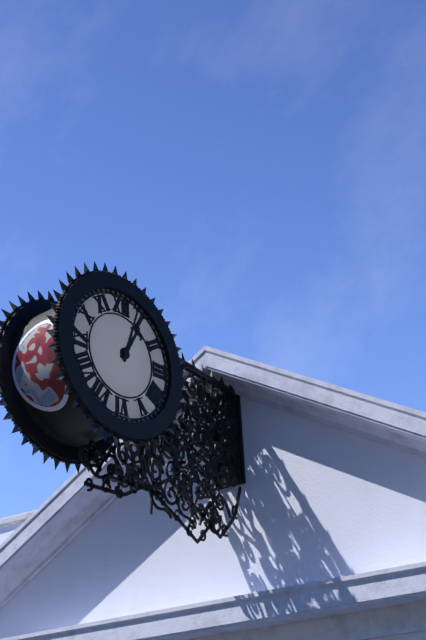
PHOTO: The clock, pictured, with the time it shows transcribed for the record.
1:03
